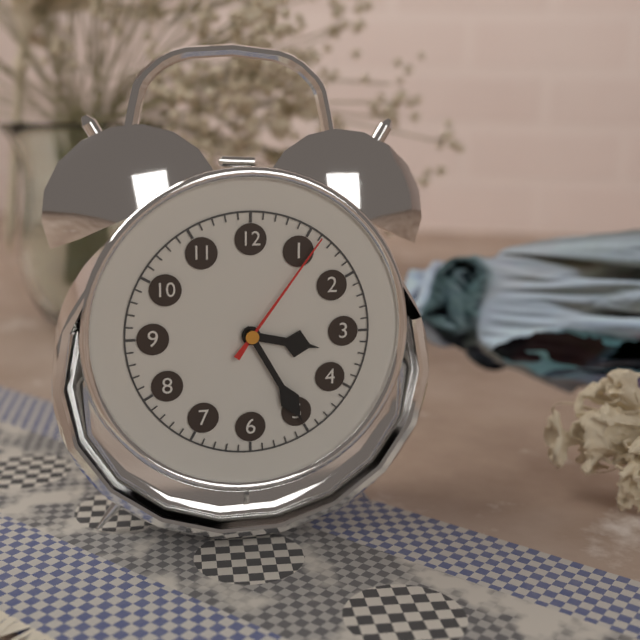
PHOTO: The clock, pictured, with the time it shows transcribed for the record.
3:25:06
